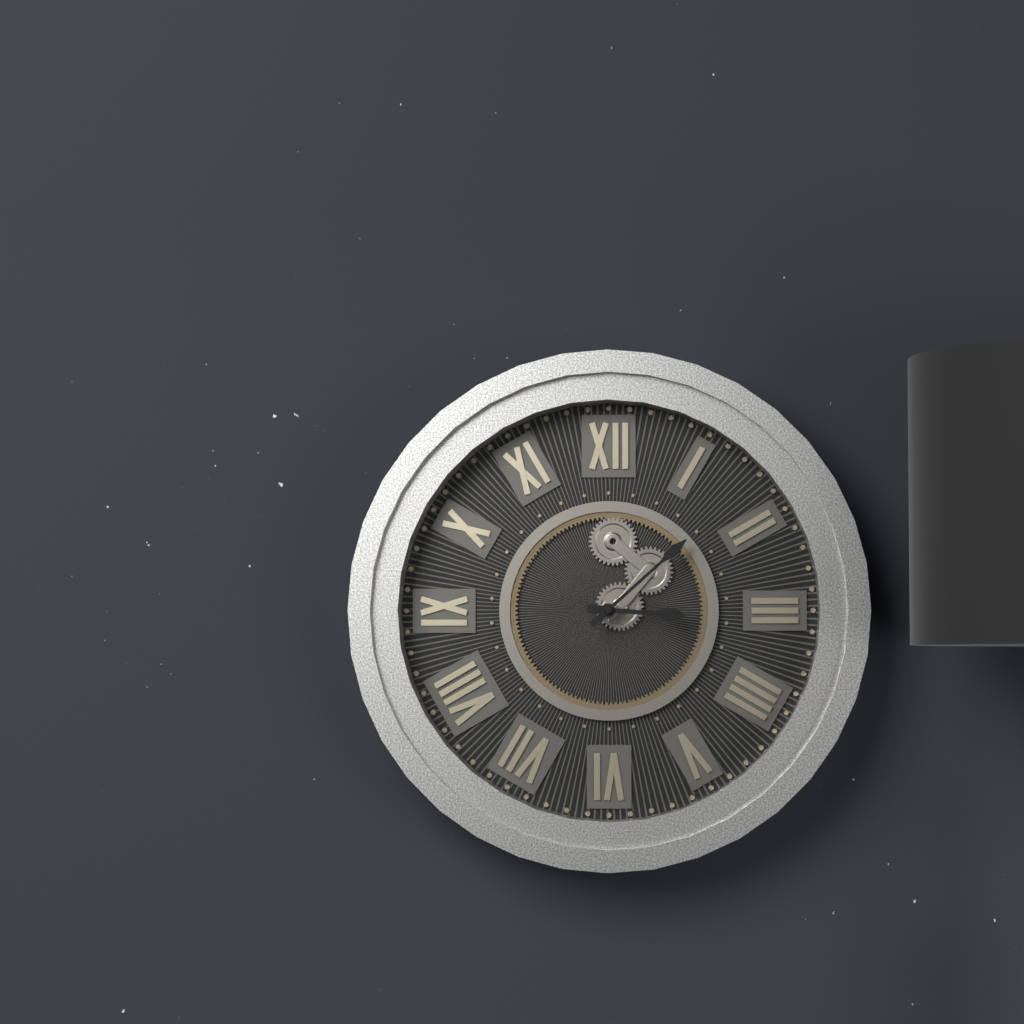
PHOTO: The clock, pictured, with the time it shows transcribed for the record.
3:08
